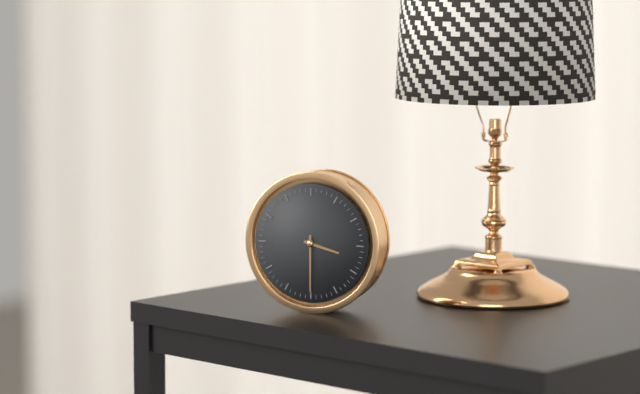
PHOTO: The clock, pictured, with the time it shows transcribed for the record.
3:30
